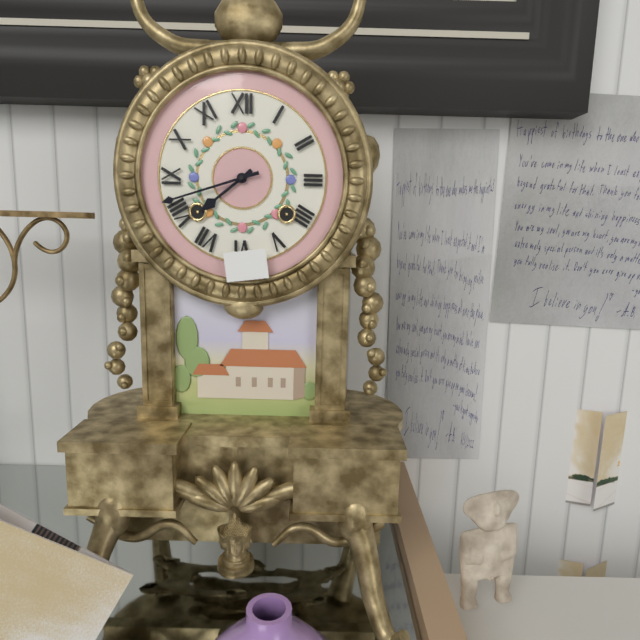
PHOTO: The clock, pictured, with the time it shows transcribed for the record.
7:42
